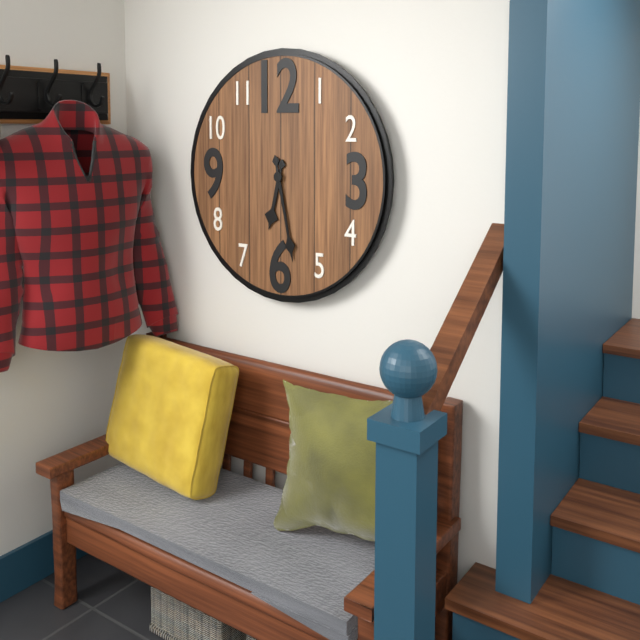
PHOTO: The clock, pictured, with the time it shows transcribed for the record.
6:28
